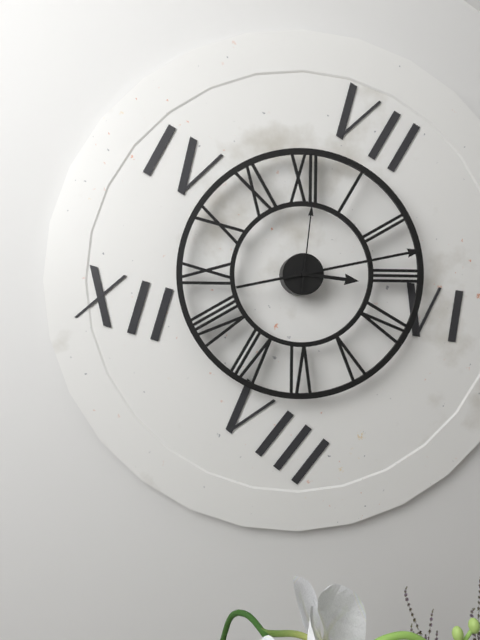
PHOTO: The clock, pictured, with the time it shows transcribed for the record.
3:13:01
